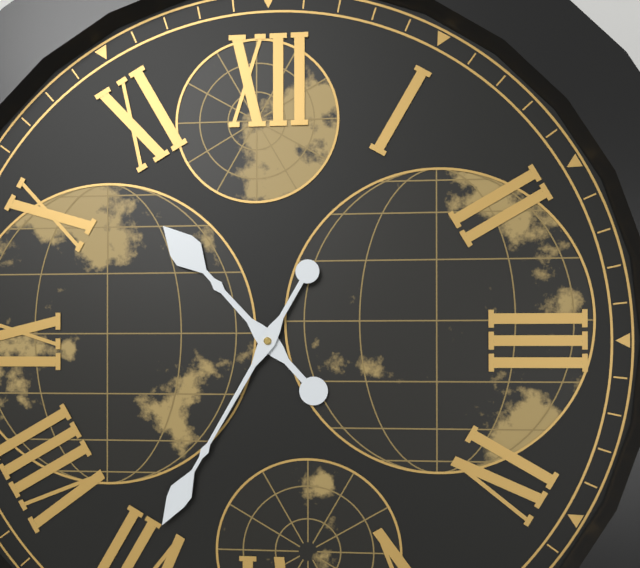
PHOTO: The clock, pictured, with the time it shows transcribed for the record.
10:35
